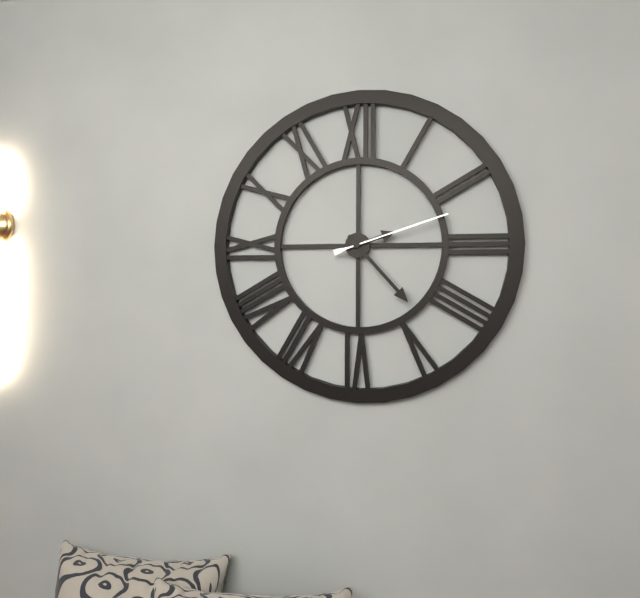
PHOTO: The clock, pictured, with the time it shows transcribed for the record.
2:23:12
